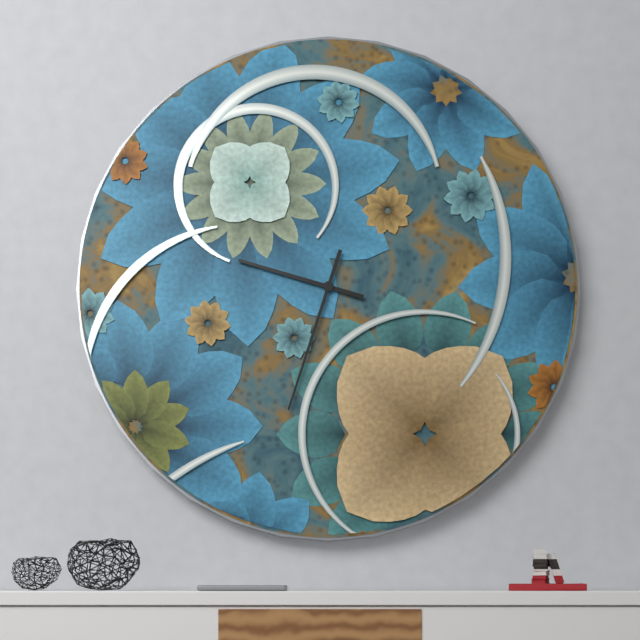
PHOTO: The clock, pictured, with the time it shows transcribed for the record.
9:33
